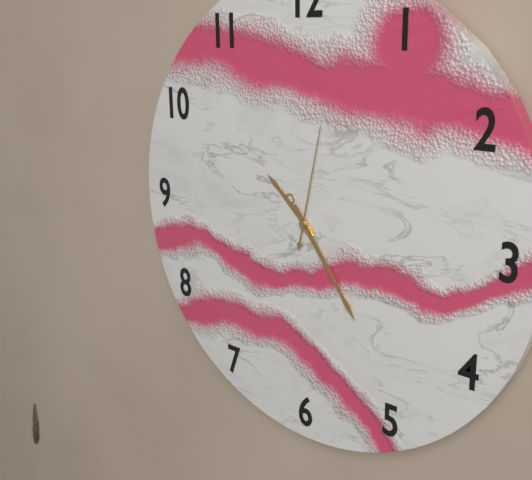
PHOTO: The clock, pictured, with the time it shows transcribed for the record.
10:24:02
